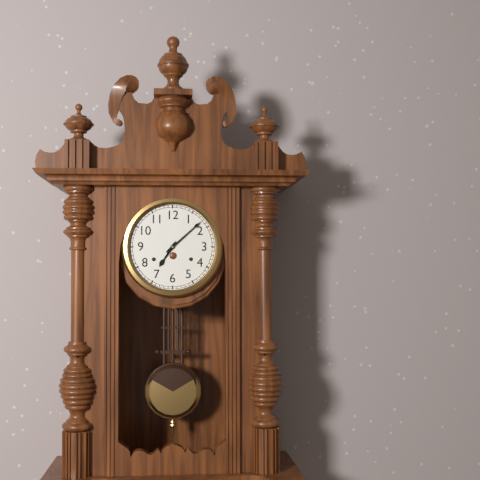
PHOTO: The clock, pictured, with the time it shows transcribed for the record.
7:08
